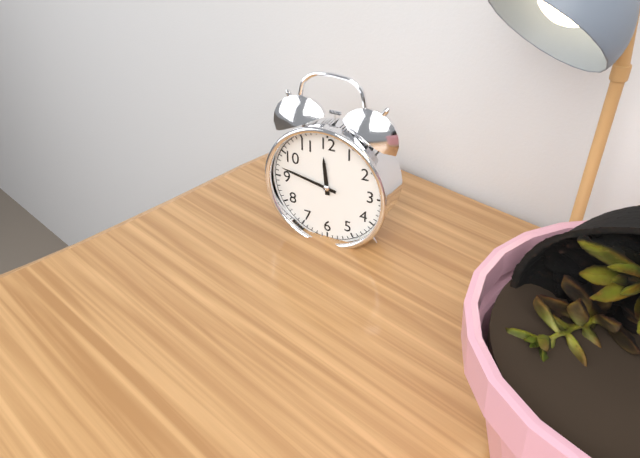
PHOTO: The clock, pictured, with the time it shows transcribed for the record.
11:47
